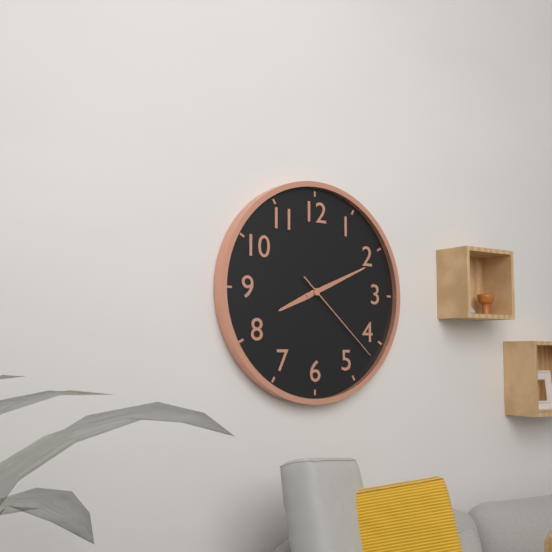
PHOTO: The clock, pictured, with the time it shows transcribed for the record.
8:11:22
